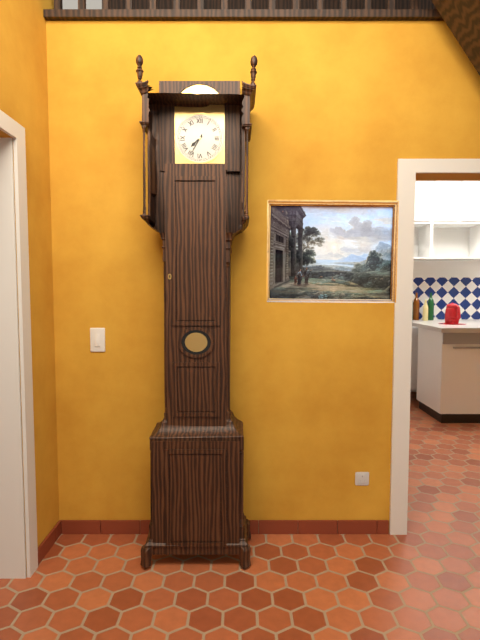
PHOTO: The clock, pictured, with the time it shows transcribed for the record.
7:35
